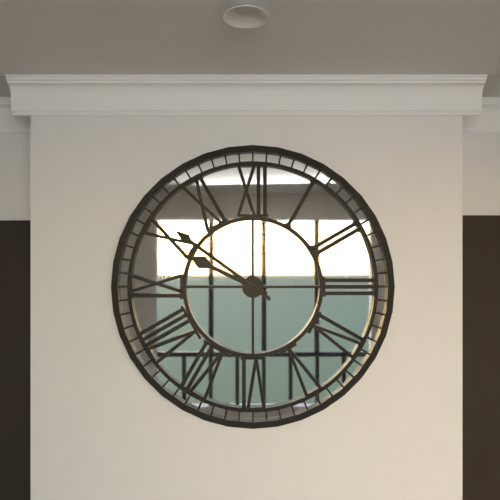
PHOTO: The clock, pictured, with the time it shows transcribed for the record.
9:51
